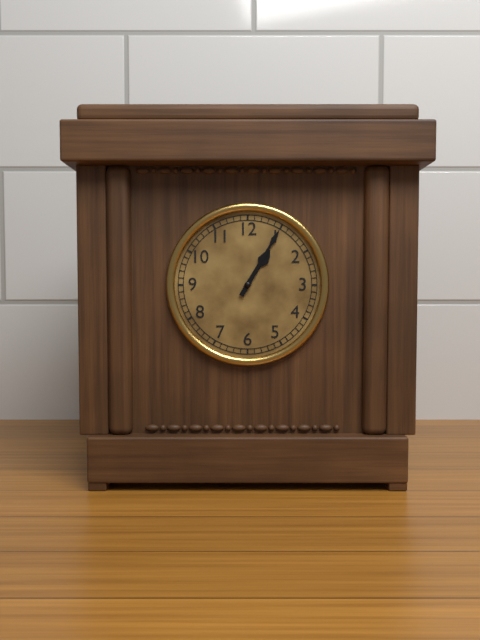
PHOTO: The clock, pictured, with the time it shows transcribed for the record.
1:05
